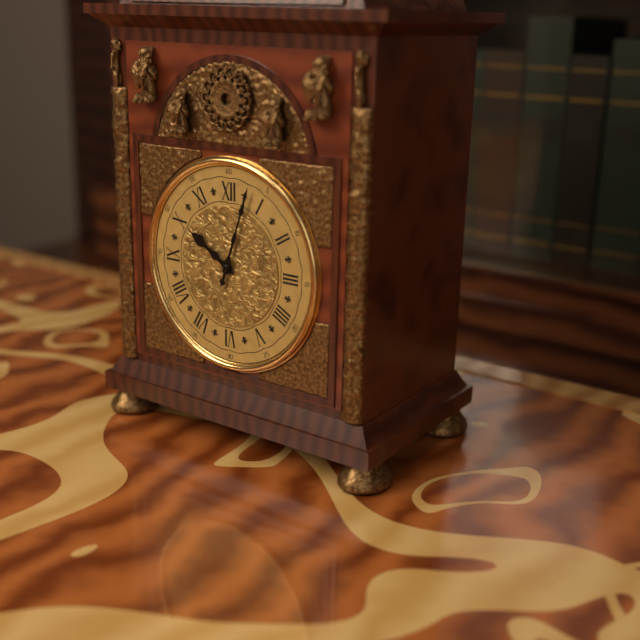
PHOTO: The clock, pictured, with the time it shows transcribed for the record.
10:03
